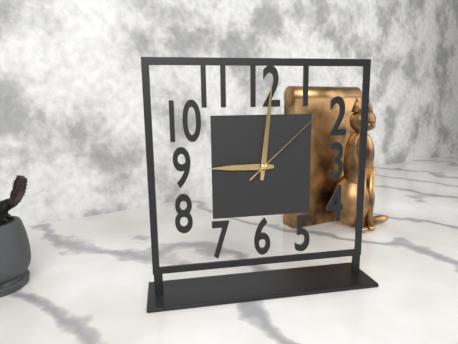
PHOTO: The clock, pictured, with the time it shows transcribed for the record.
9:01:08
